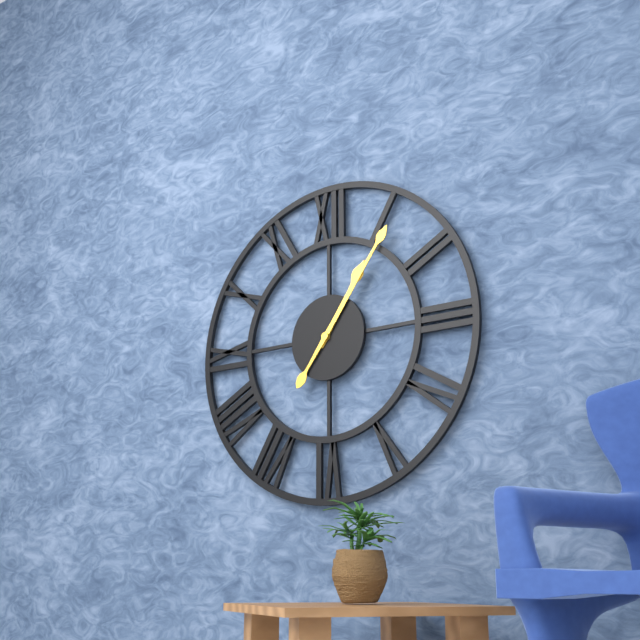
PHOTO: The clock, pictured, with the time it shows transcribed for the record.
1:06
